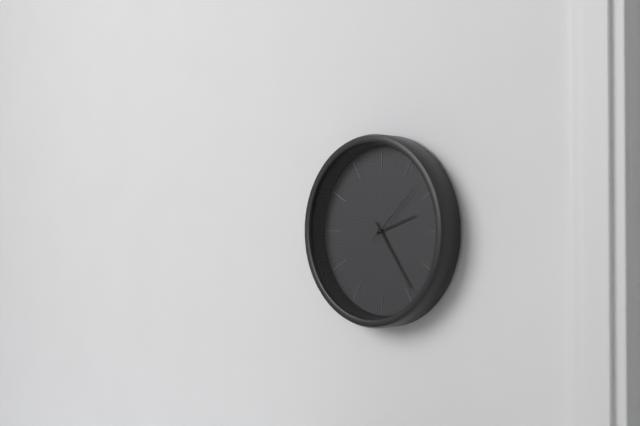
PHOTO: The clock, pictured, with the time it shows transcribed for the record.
2:24:08
